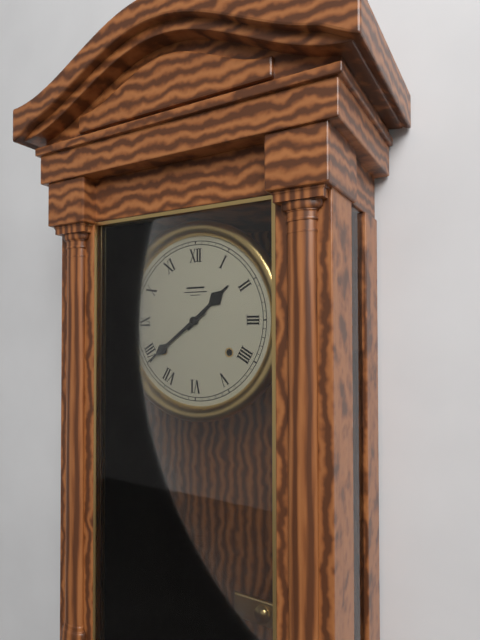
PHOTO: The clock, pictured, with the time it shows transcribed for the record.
1:39
